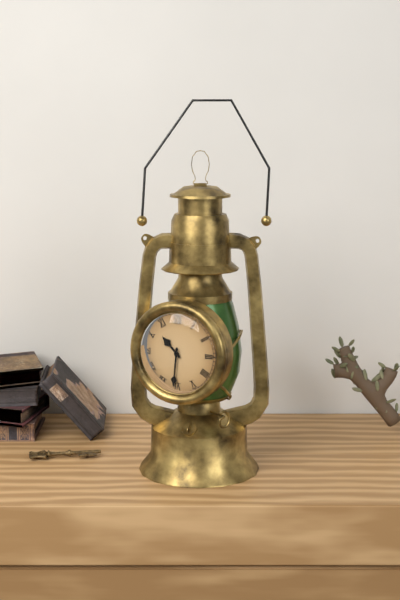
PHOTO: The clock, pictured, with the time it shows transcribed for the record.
10:31
